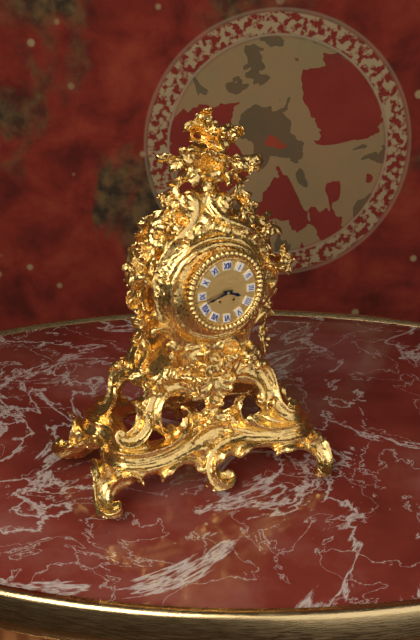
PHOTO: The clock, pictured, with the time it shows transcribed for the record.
3:42
